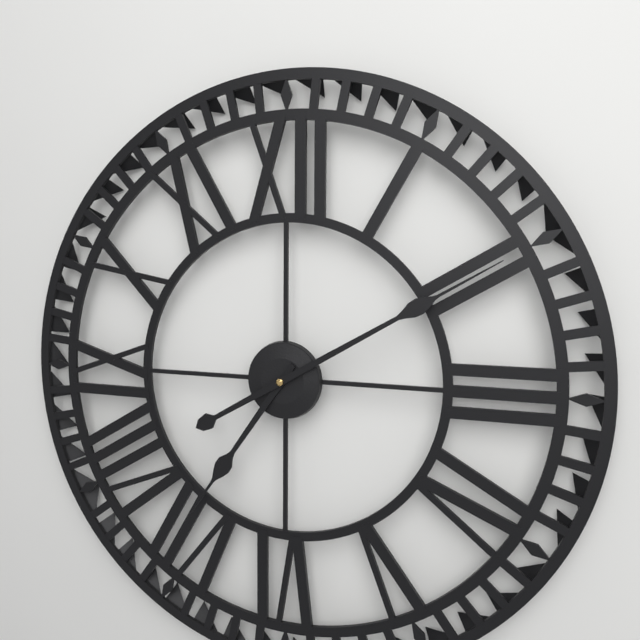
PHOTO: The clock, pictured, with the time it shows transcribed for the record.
7:10
